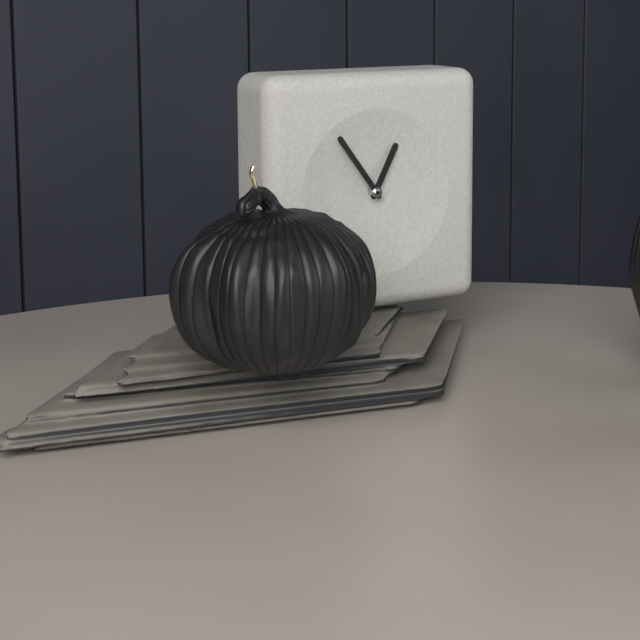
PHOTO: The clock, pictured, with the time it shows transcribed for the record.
12:54
